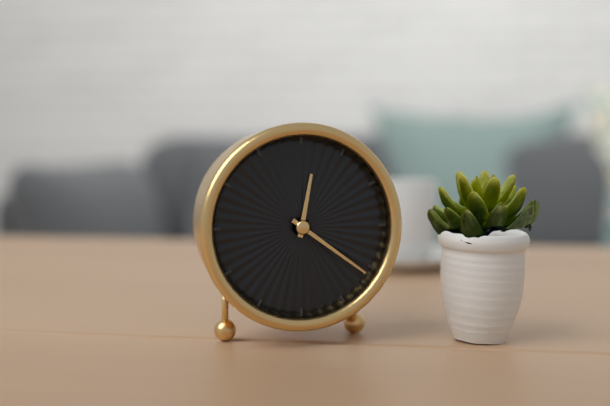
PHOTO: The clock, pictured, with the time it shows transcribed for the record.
12:21
